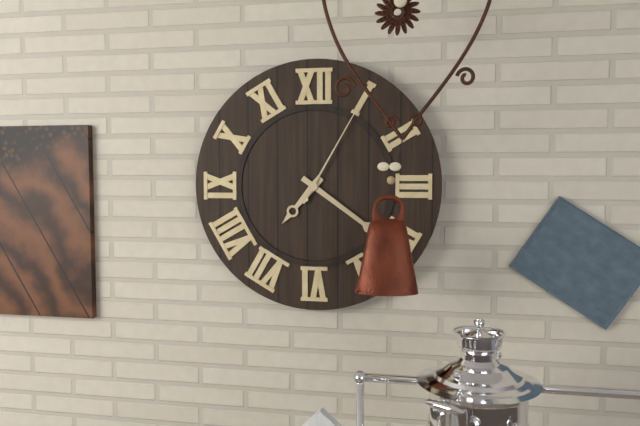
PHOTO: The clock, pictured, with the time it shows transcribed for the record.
7:21:05
